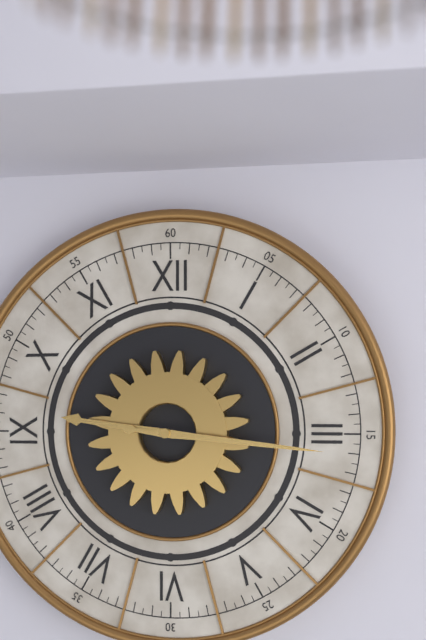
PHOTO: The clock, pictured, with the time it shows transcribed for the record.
9:16
